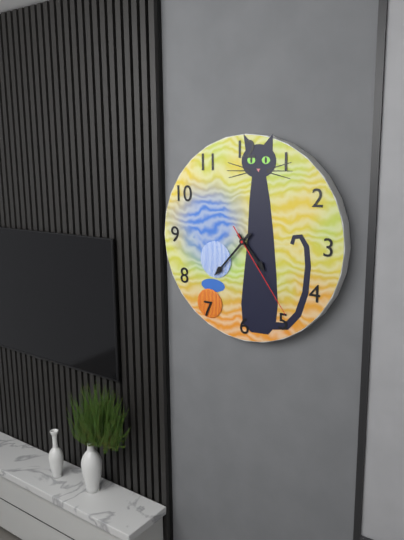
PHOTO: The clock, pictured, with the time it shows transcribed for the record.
4:37:24
